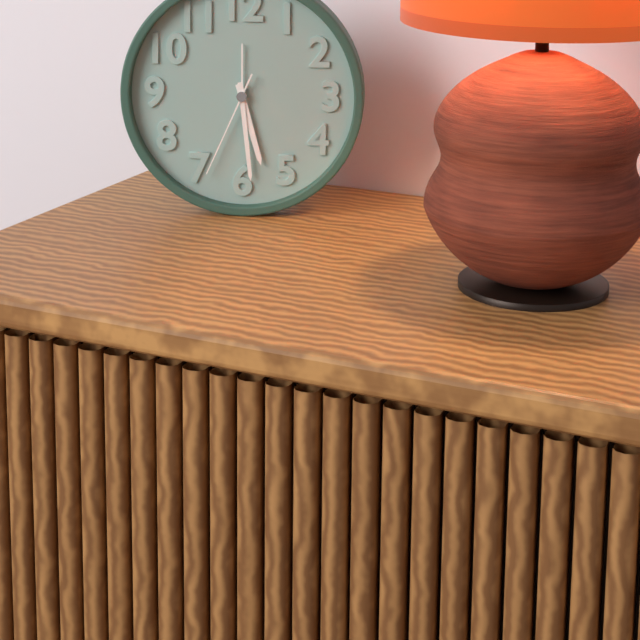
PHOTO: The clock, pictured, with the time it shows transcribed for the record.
5:29:34
